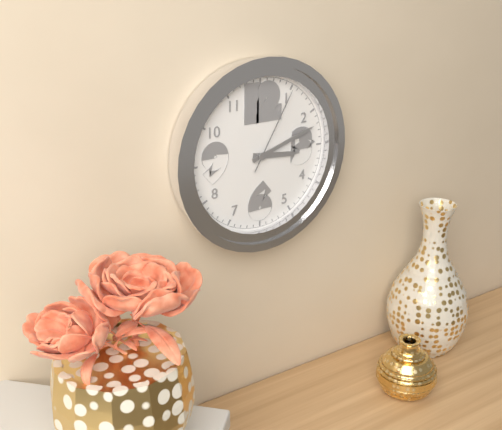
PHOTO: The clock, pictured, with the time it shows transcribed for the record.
3:12:05
